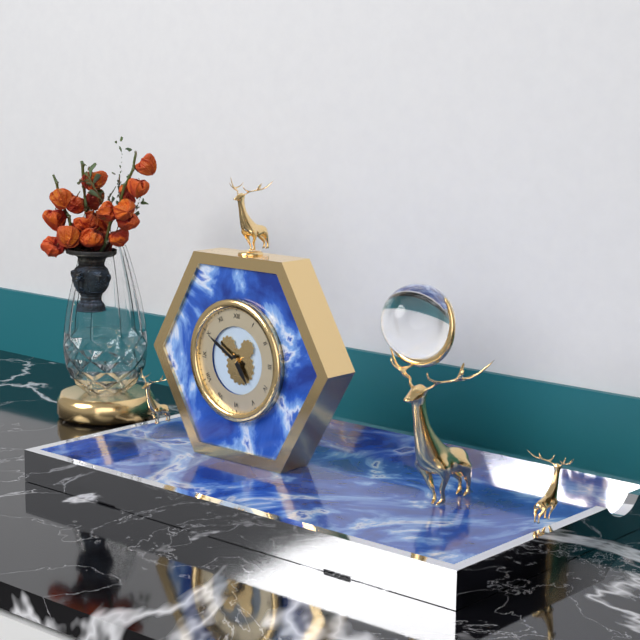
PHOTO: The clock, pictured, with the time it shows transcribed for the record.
4:50
